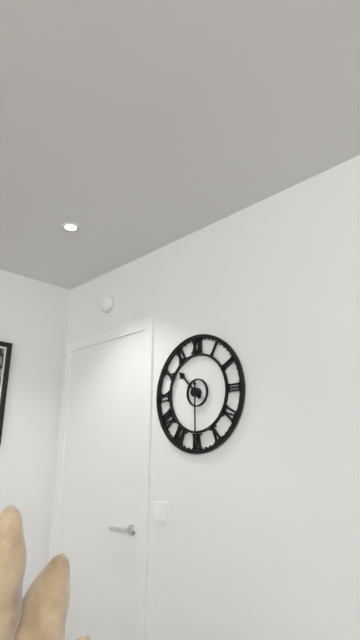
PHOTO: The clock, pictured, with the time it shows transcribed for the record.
10:30
